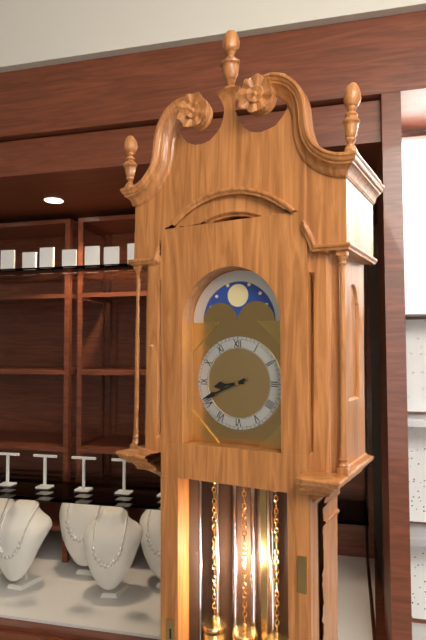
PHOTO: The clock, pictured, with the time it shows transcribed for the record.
8:41
